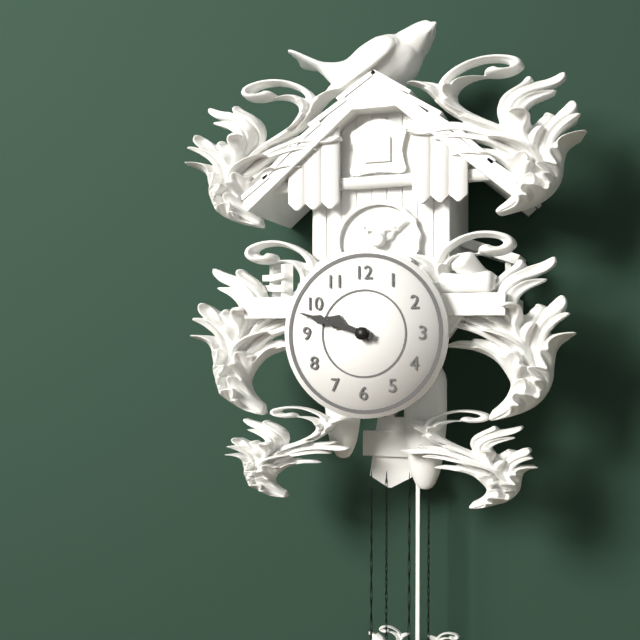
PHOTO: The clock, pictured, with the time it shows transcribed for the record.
9:48
